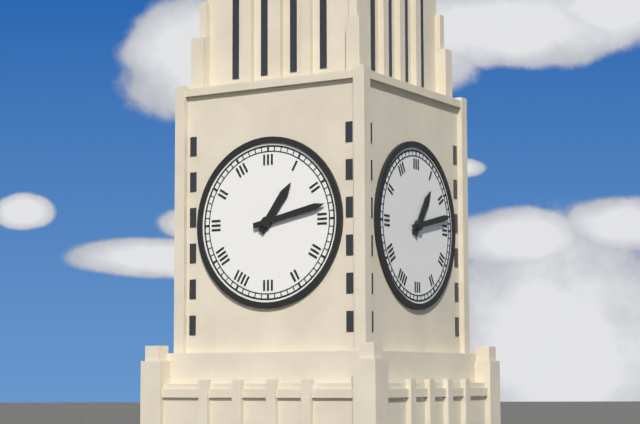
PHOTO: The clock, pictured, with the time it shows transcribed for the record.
1:13
